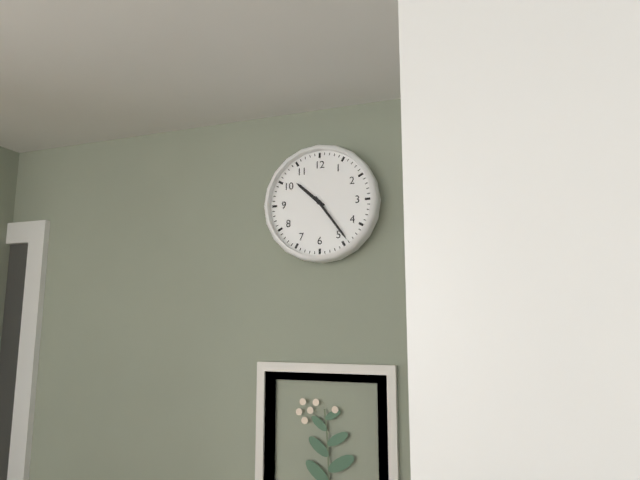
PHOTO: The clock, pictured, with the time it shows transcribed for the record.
10:24
